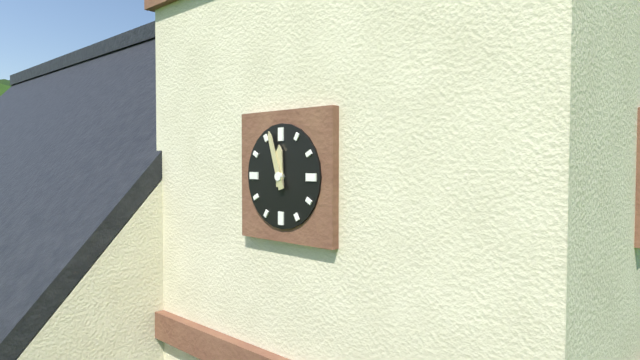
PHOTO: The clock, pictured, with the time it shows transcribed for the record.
11:57
